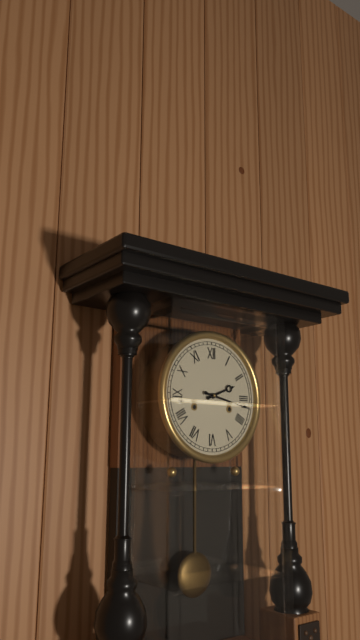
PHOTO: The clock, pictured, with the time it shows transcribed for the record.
2:17
